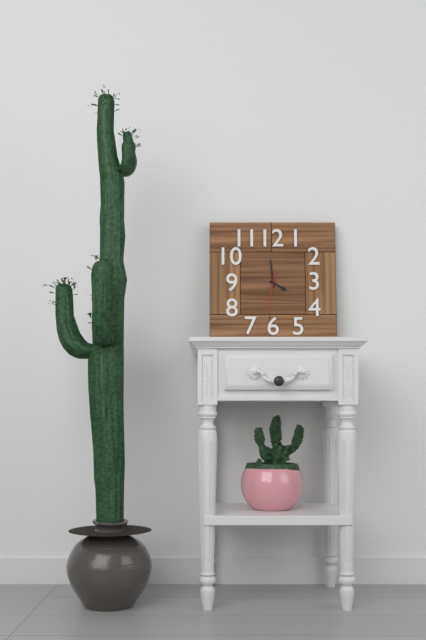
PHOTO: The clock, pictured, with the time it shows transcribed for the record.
3:59
